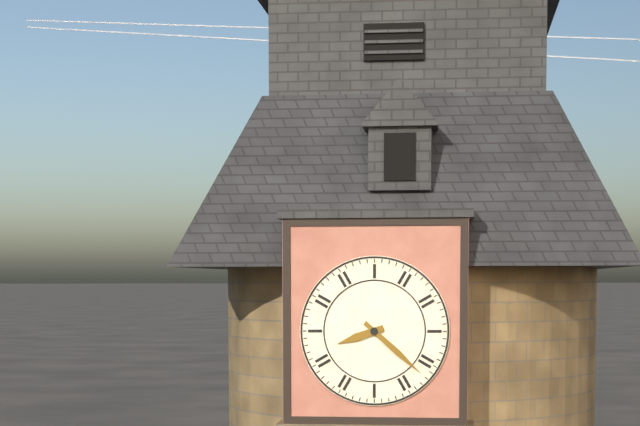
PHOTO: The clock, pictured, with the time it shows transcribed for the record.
8:22
